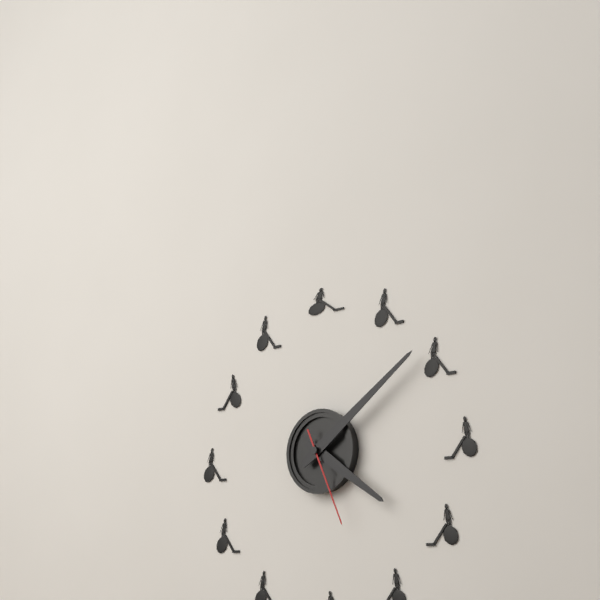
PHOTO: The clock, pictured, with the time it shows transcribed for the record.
4:09:26
